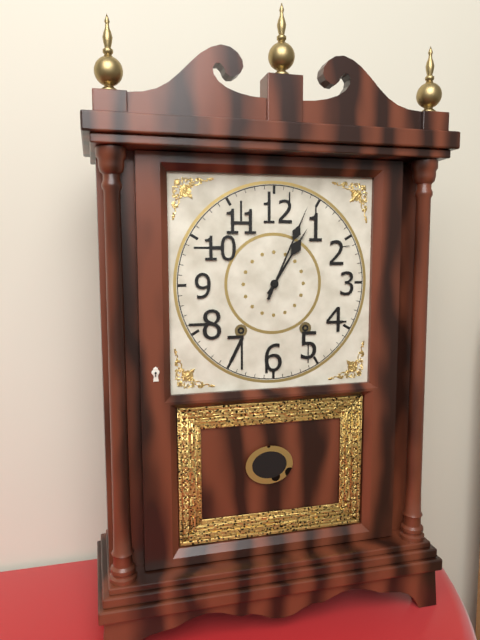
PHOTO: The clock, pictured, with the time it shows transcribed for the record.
1:04
